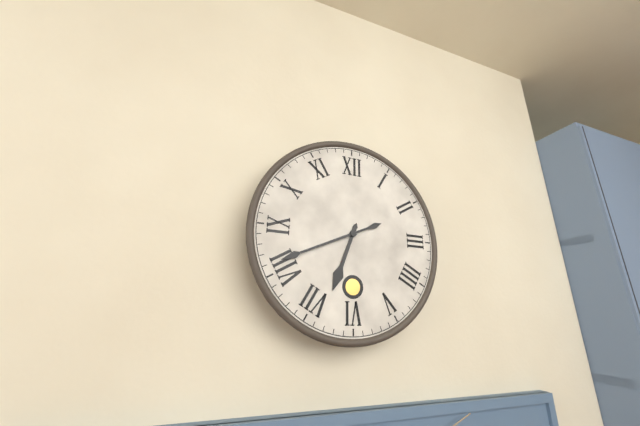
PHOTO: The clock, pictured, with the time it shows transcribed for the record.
6:41
